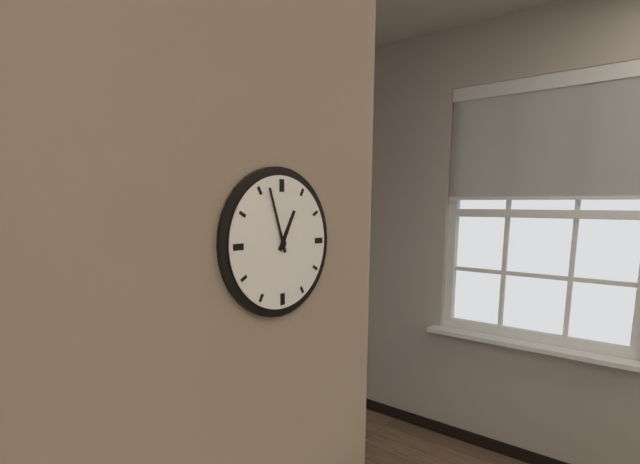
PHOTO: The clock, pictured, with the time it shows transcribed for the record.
12:57
